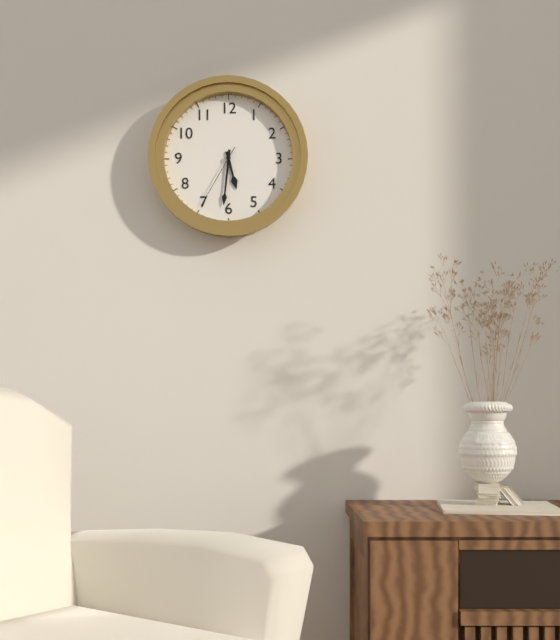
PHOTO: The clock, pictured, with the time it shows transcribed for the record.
5:31:35
